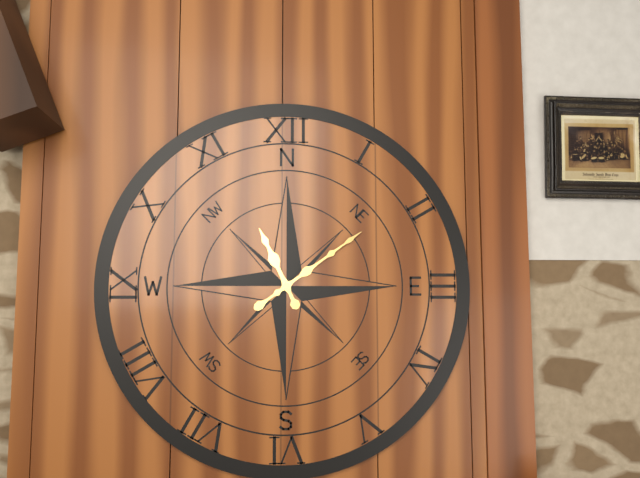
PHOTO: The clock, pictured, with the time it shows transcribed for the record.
11:09
